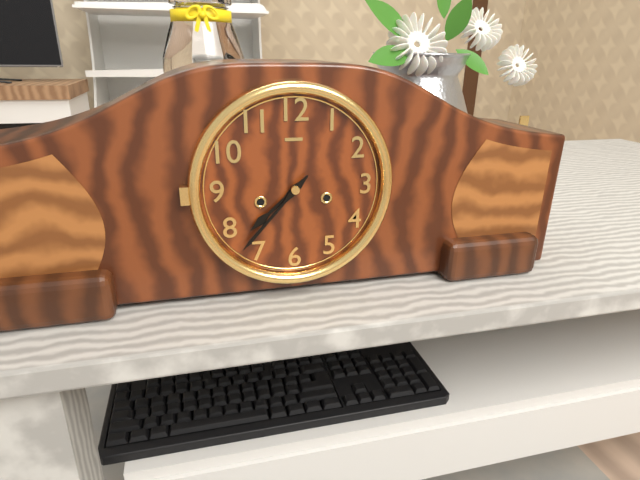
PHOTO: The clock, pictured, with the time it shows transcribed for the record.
7:37
